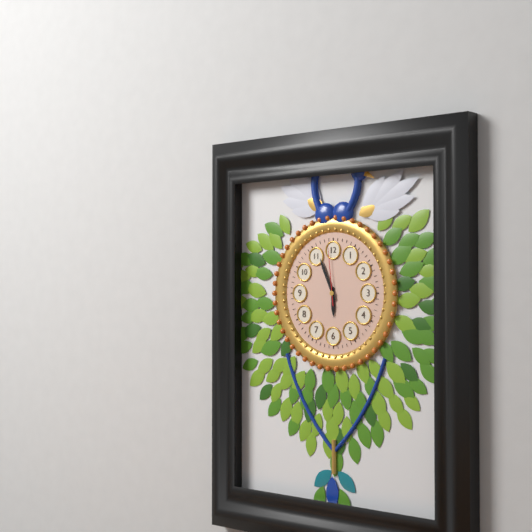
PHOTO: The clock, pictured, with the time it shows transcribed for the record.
5:56:59
